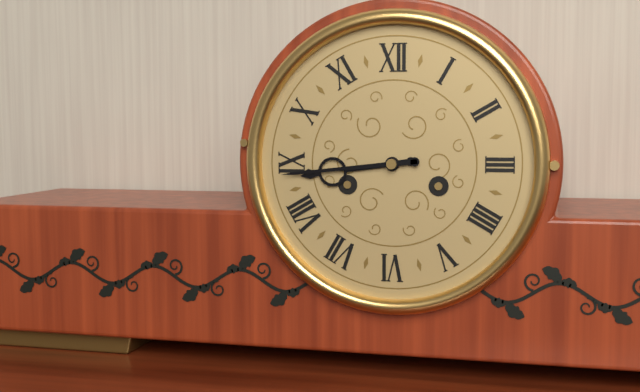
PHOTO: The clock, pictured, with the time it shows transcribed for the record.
8:44
